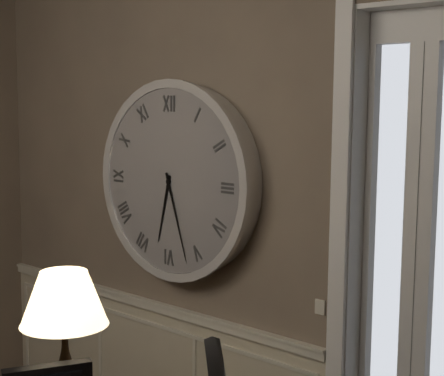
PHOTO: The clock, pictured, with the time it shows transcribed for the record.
6:27
